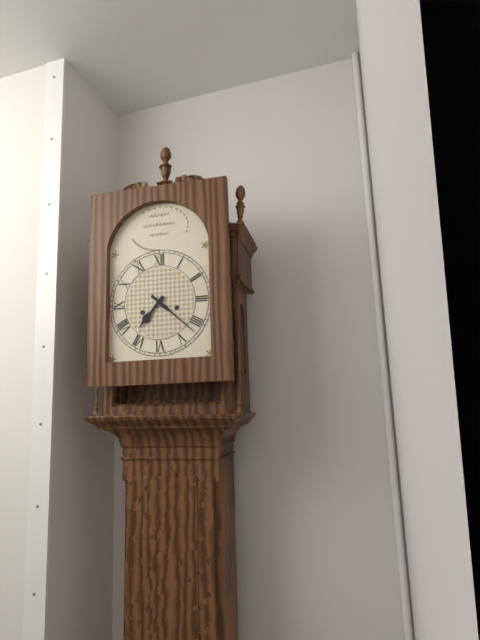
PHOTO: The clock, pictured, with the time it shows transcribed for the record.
7:22
